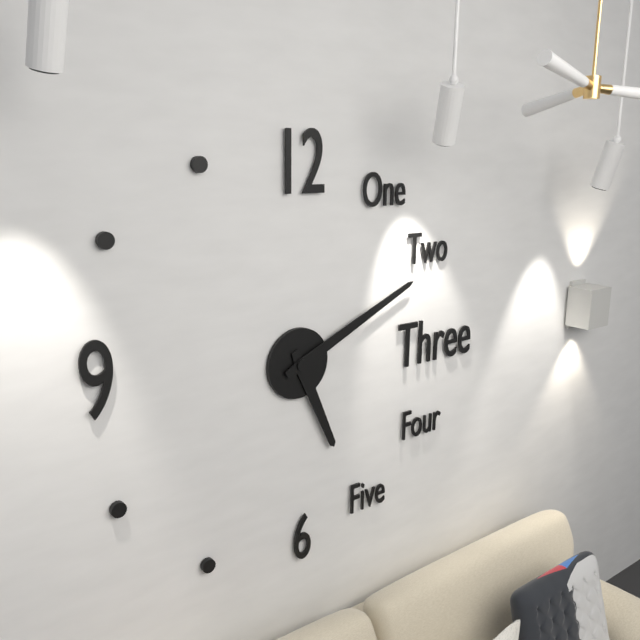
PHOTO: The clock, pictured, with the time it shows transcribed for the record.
5:11
